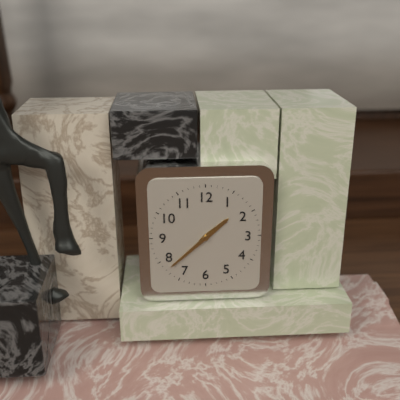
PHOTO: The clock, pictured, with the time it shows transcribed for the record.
1:38
